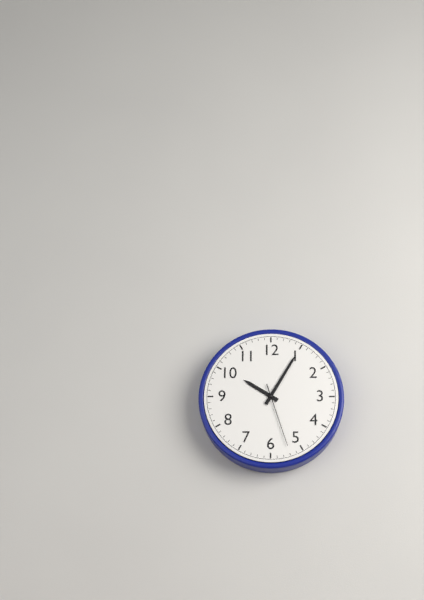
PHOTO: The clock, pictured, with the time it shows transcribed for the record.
10:05:27
